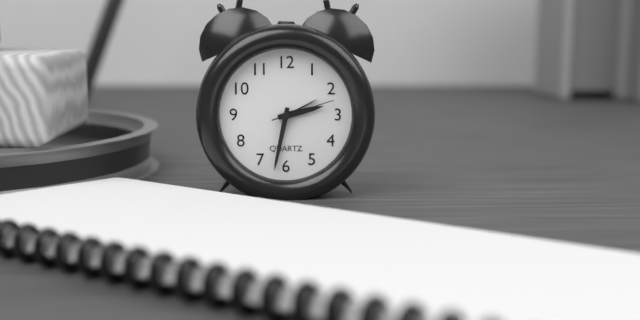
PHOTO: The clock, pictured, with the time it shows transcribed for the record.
2:32:12
